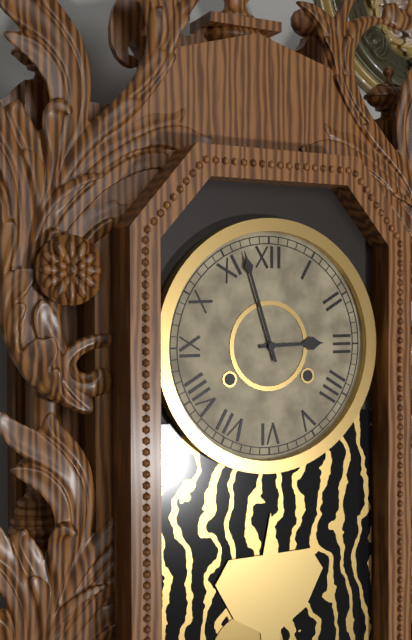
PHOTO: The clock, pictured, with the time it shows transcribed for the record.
2:57
